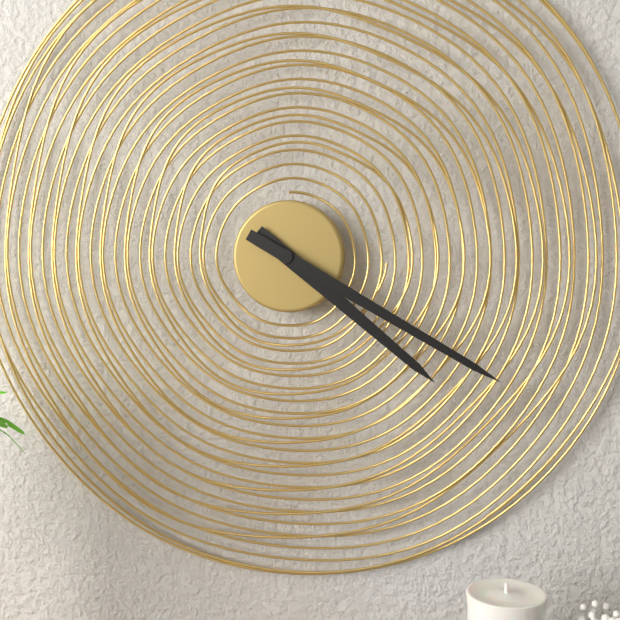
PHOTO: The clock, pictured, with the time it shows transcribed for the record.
4:20
